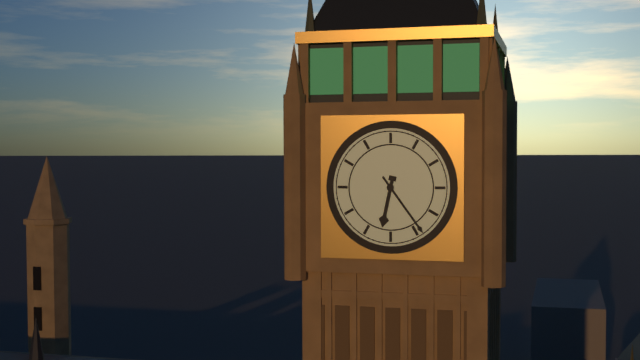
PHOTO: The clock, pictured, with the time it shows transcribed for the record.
6:24
